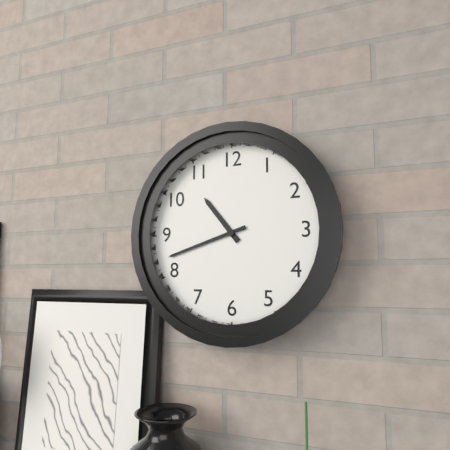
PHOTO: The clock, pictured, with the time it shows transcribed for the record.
10:42
